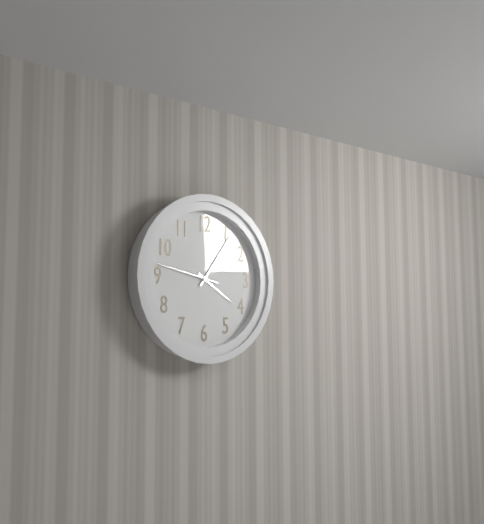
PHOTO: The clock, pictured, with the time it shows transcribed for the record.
4:06:47
